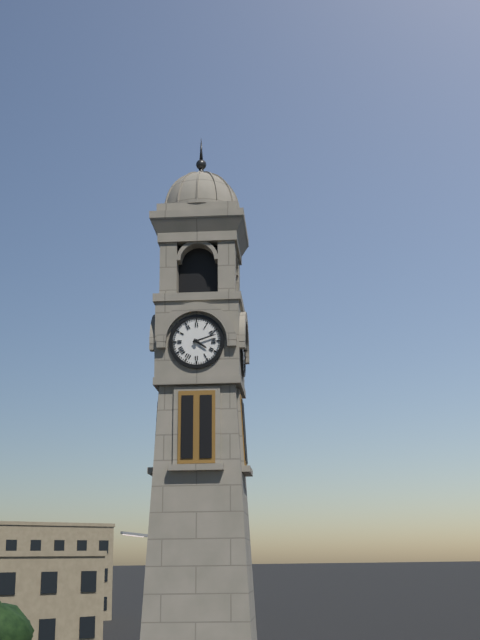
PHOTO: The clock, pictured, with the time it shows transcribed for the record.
4:12
